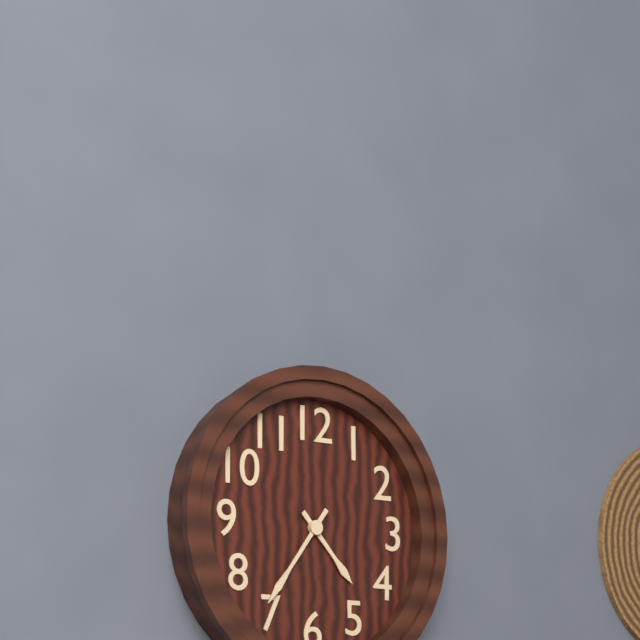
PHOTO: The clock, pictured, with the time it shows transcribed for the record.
4:36
